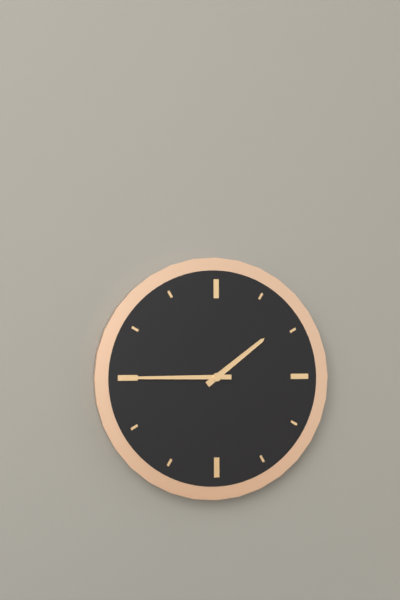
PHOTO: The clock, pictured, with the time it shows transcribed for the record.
1:45
